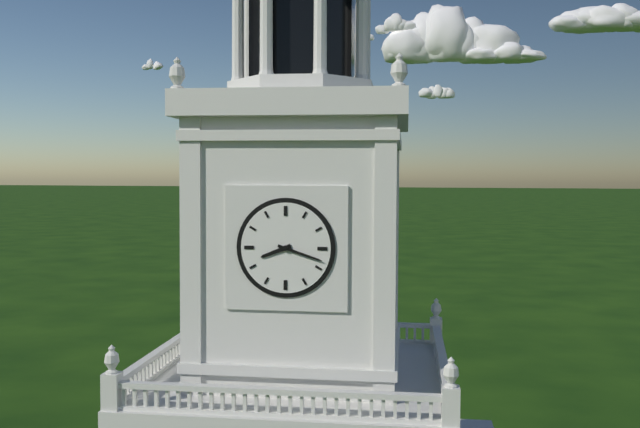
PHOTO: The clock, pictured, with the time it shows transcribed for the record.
8:18
